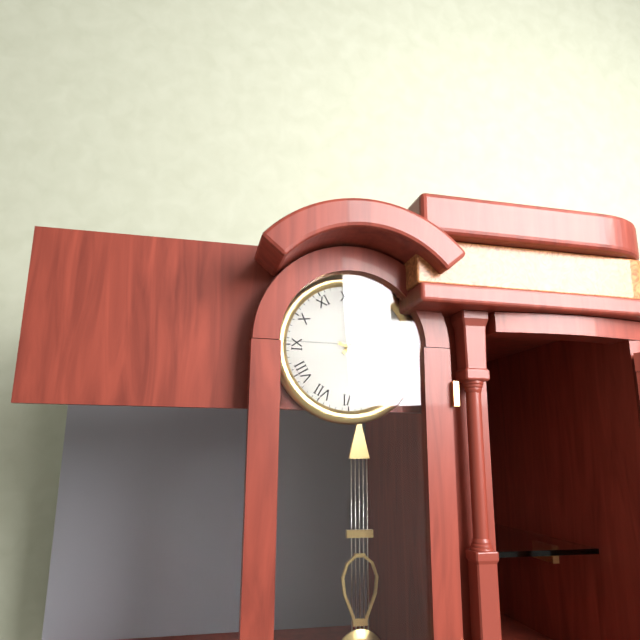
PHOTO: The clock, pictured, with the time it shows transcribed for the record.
1:18
